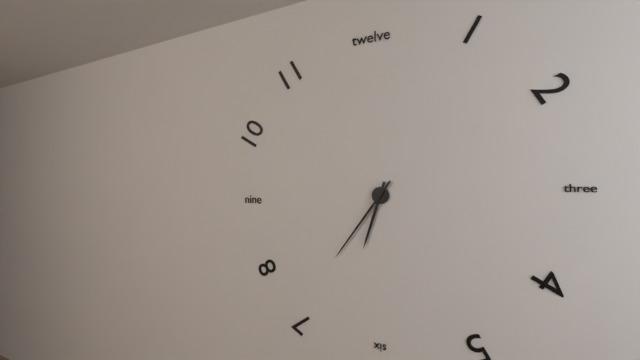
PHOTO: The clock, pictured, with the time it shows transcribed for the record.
6:36
